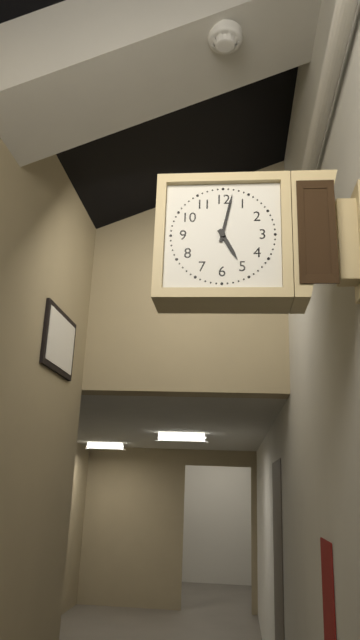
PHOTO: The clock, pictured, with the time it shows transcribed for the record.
5:02
